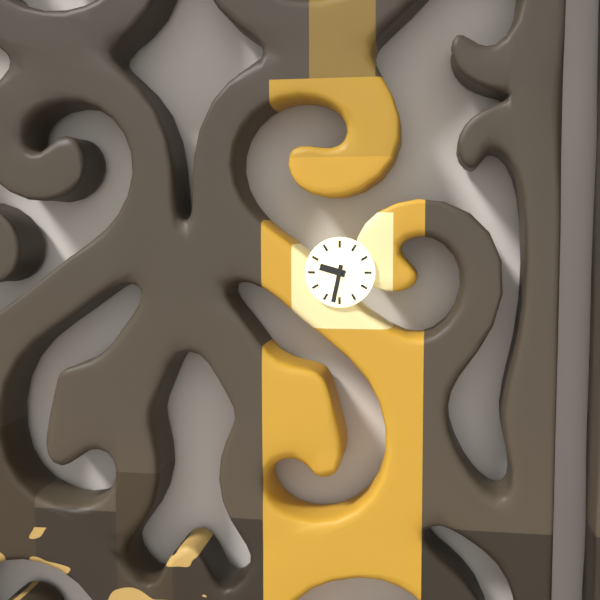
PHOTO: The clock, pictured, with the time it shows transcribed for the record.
9:32
